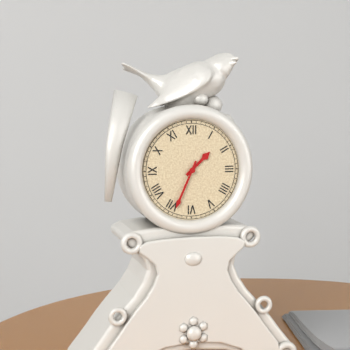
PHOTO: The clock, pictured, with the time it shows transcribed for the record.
1:34
